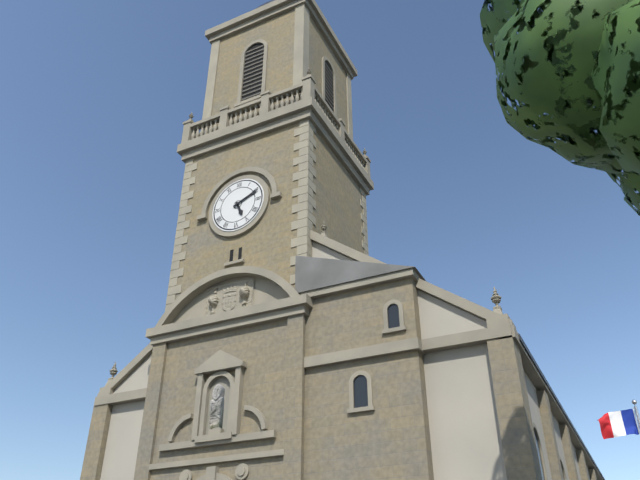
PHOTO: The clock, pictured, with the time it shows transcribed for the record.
5:11
